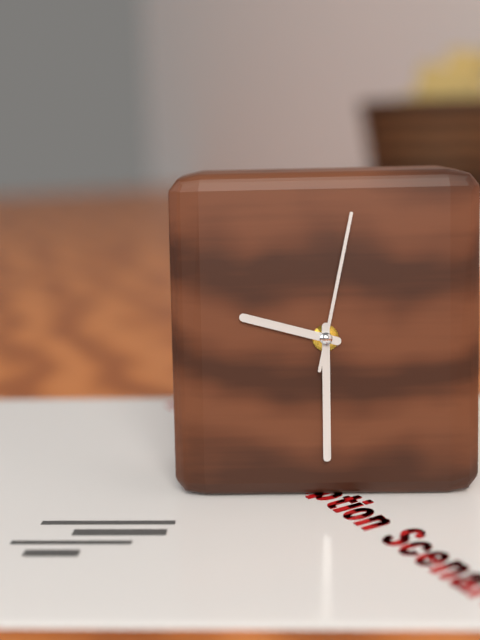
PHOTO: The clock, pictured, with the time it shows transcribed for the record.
9:30:02
